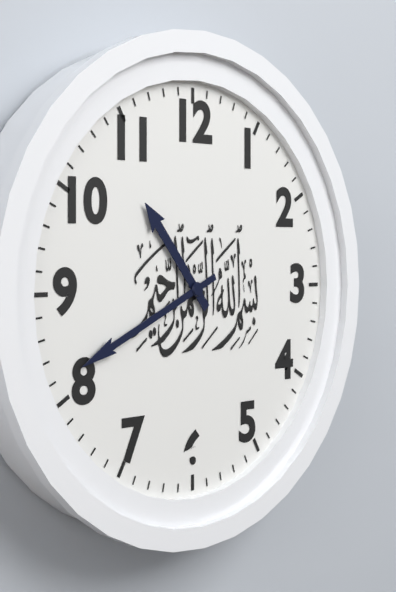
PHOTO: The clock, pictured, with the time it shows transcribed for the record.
10:41
